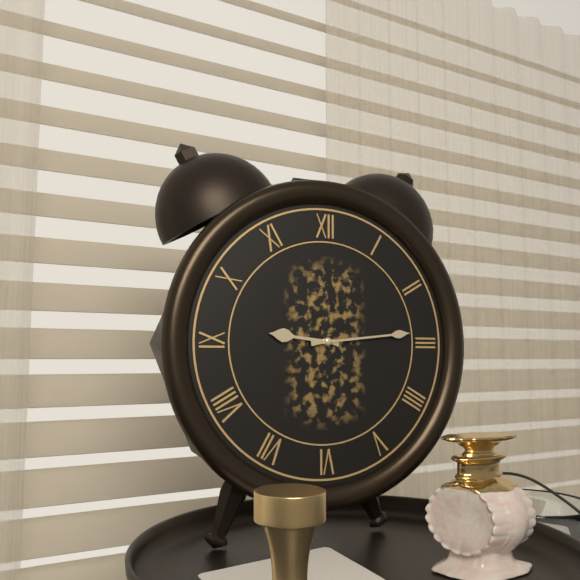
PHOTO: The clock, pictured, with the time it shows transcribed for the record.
9:14
